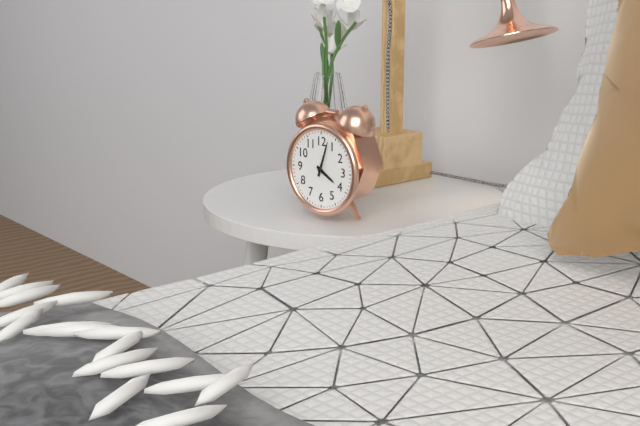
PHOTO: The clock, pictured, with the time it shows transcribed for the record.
4:03
